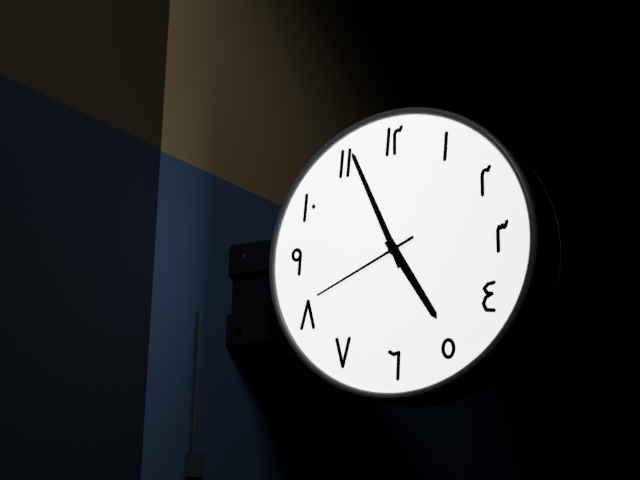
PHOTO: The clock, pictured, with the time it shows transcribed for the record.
4:56:41
